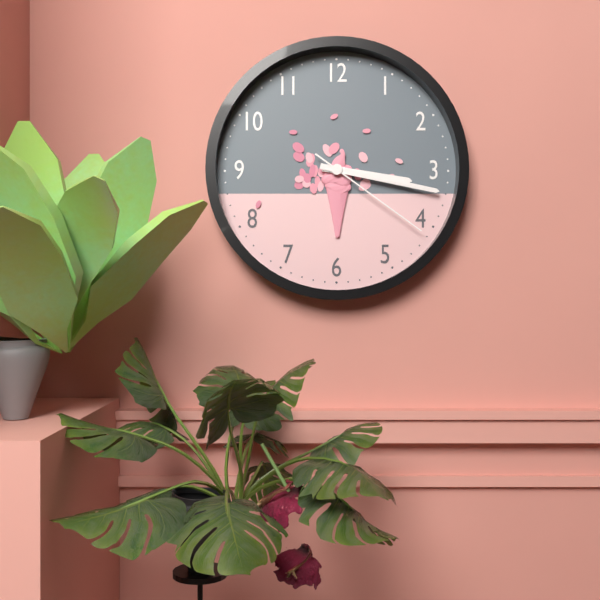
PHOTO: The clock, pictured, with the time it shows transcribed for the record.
3:17:21
